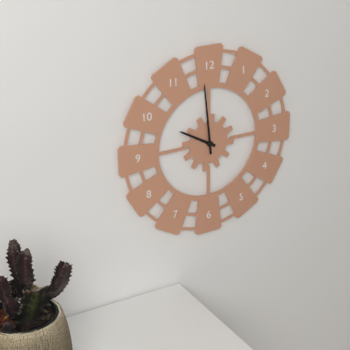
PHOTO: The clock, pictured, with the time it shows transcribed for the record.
9:59
